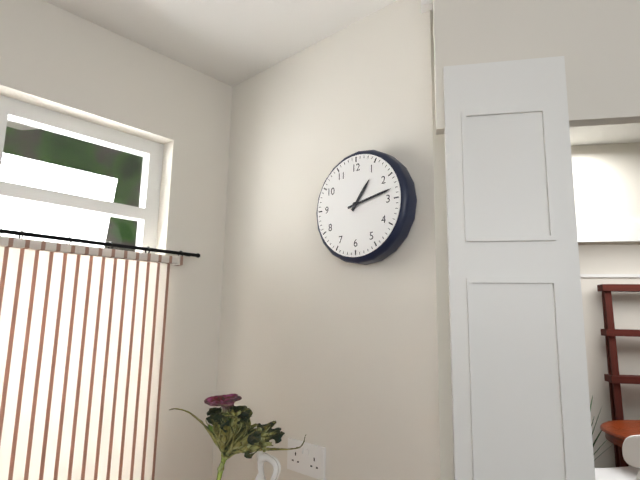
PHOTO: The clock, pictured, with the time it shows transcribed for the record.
1:13
